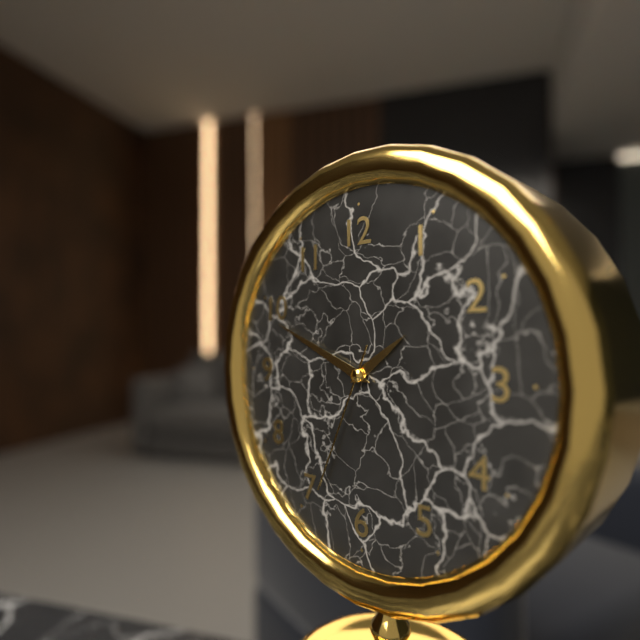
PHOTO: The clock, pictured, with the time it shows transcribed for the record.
1:49:34
